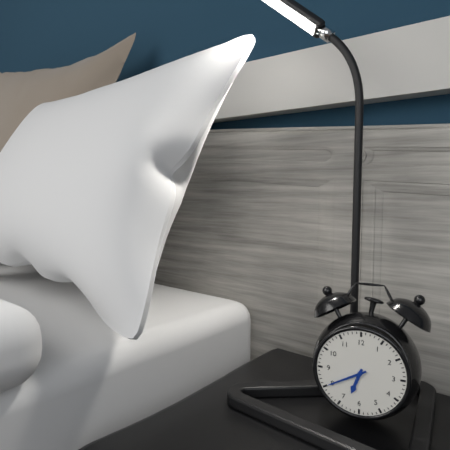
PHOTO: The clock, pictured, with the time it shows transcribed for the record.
6:40
